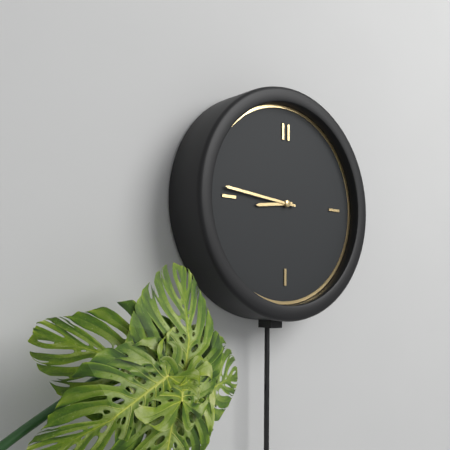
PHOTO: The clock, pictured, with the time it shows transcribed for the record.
8:46
